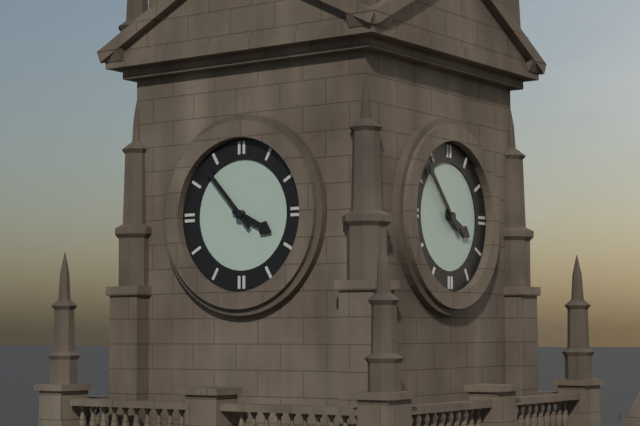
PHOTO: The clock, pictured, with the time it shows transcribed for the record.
3:53
